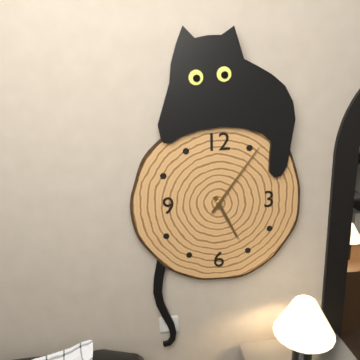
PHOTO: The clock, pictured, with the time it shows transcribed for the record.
5:06
